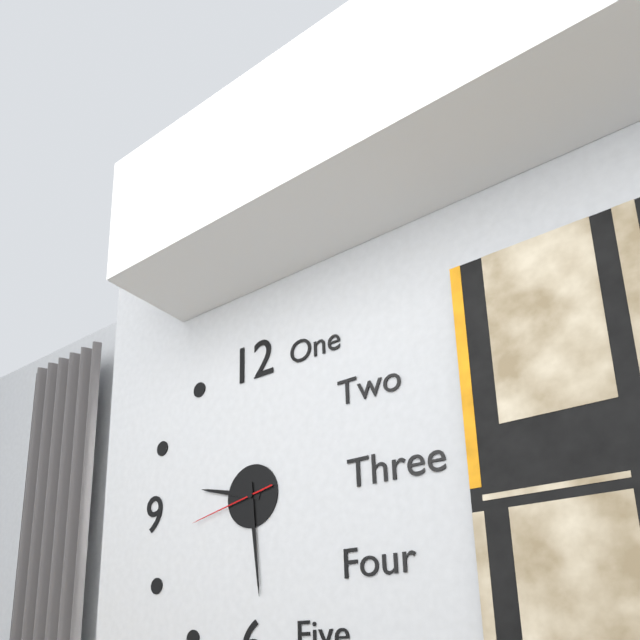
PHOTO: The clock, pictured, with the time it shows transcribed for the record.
9:29:43
